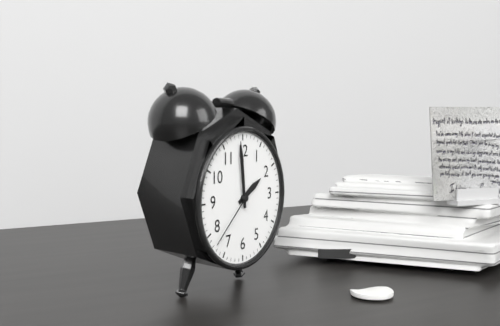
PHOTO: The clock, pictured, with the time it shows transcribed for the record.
1:59:38
